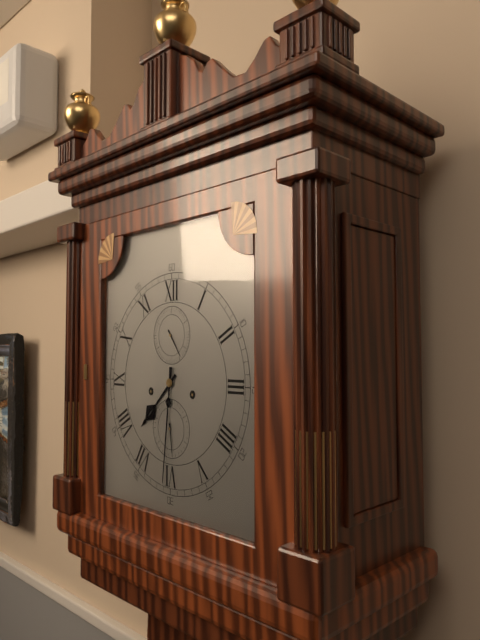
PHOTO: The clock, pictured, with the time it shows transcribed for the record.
7:31
